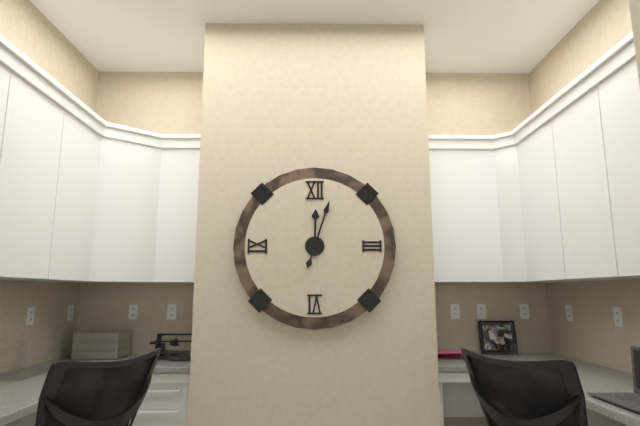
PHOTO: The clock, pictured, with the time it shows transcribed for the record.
12:03
